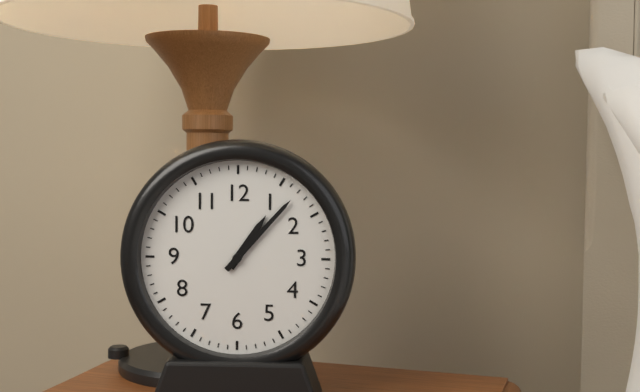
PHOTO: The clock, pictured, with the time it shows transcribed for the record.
1:07
